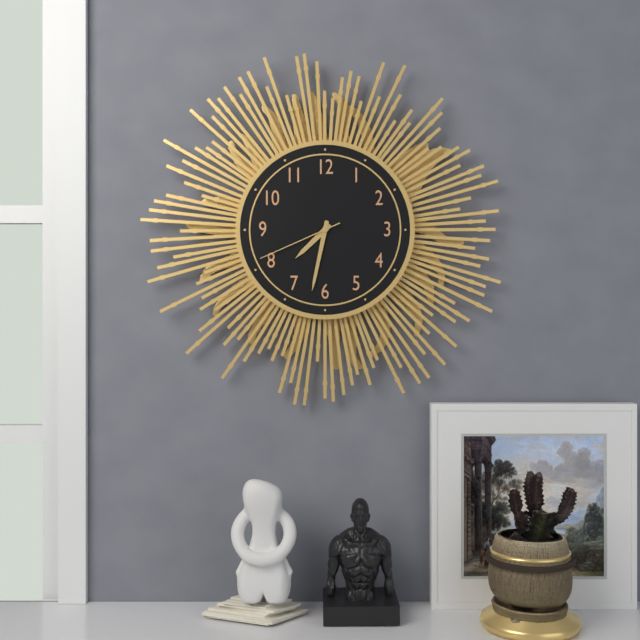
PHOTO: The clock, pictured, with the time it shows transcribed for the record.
7:32:41
